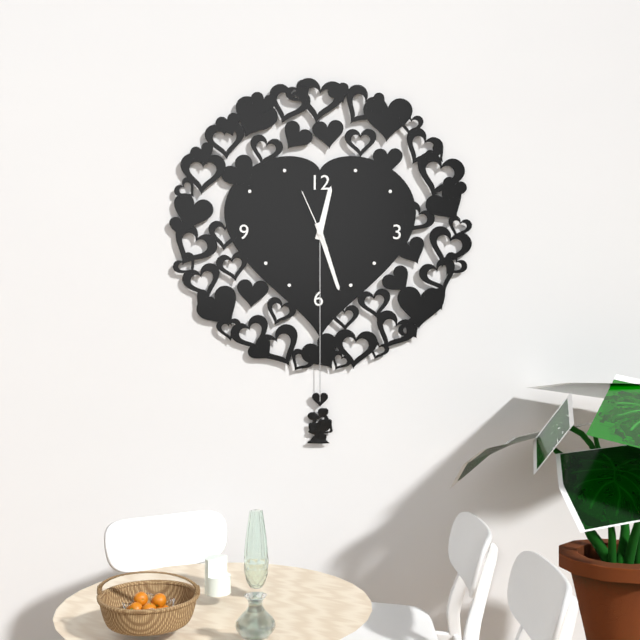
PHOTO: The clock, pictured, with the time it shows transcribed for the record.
12:27:56
